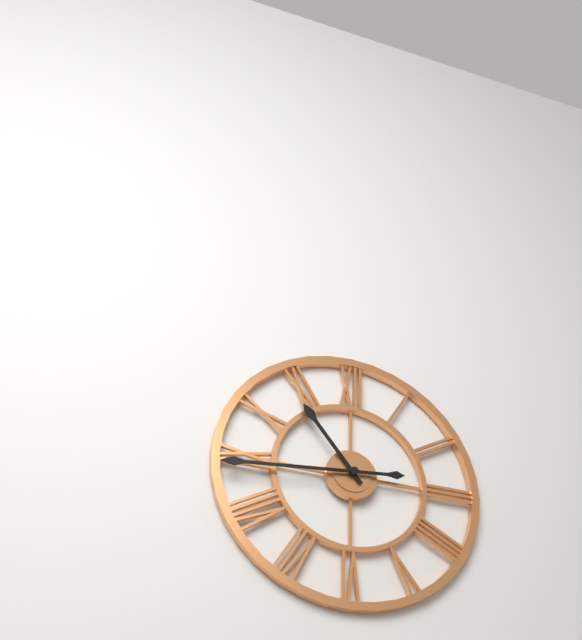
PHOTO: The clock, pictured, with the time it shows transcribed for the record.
10:44
